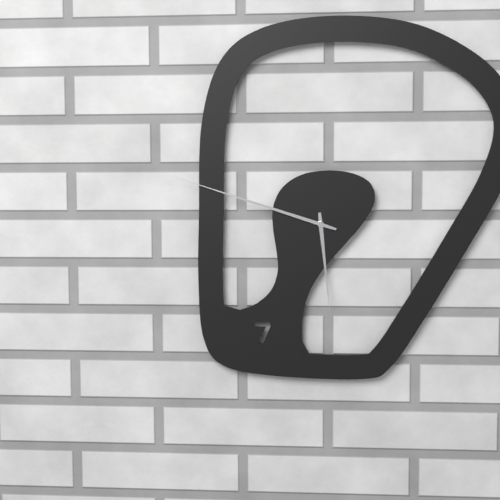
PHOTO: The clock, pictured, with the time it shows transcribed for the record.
5:48
